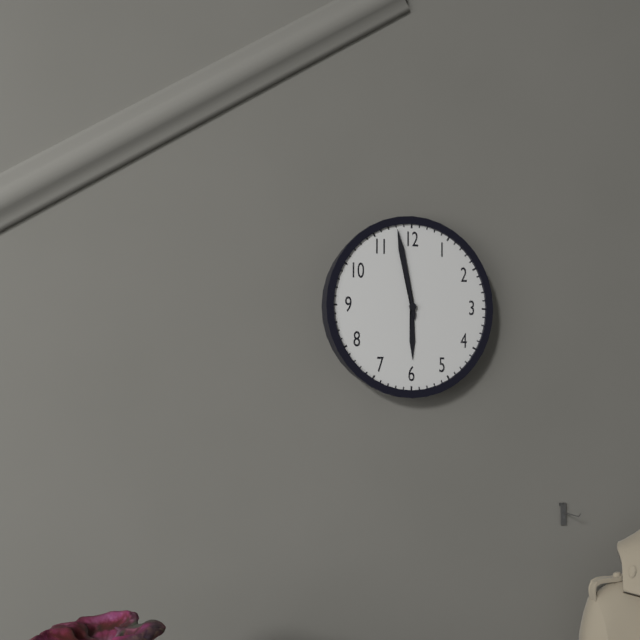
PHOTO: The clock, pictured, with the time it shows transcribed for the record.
5:58
